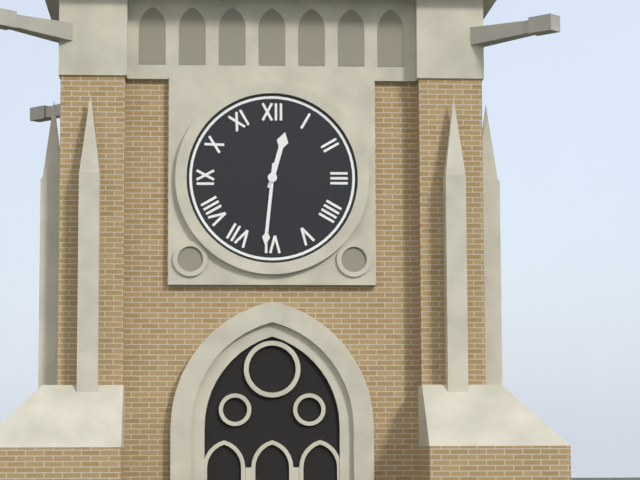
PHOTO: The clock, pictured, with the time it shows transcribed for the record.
12:31
